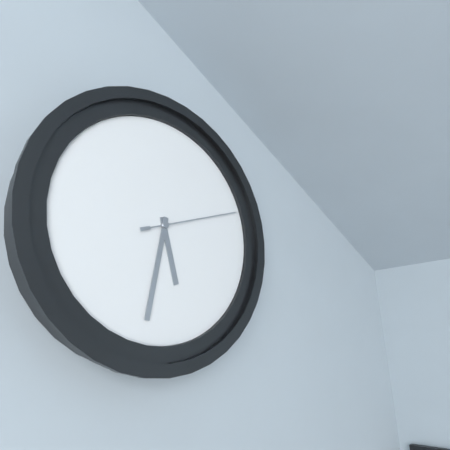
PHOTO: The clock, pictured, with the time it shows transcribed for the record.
5:32:12
